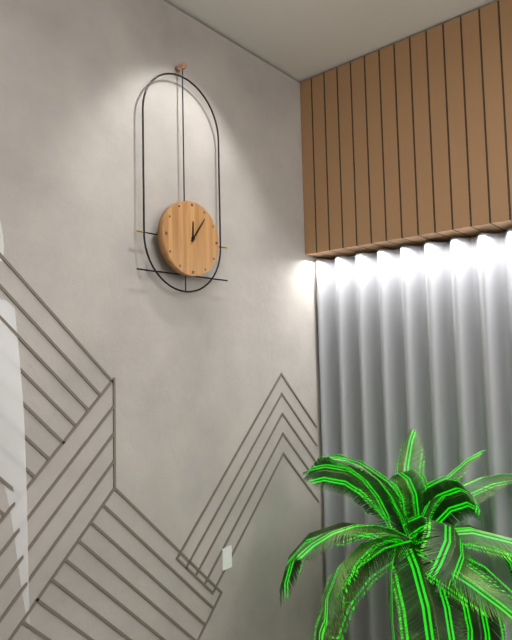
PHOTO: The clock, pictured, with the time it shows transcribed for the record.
12:06
